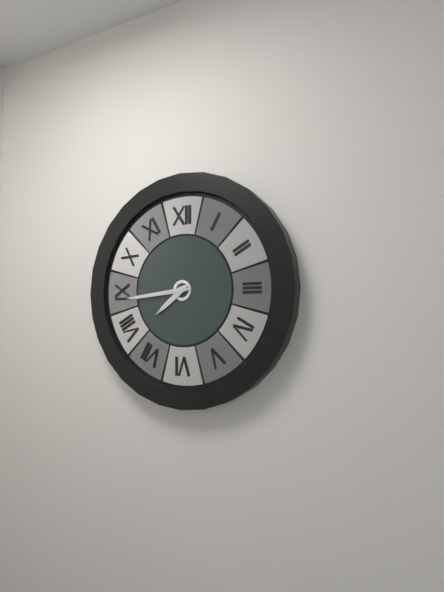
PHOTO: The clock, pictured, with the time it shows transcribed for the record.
7:44
